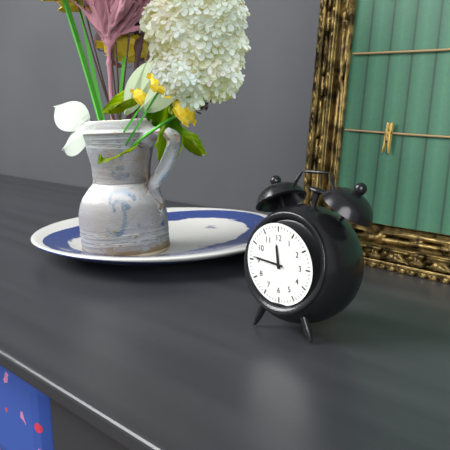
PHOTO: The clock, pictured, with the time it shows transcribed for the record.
11:46
